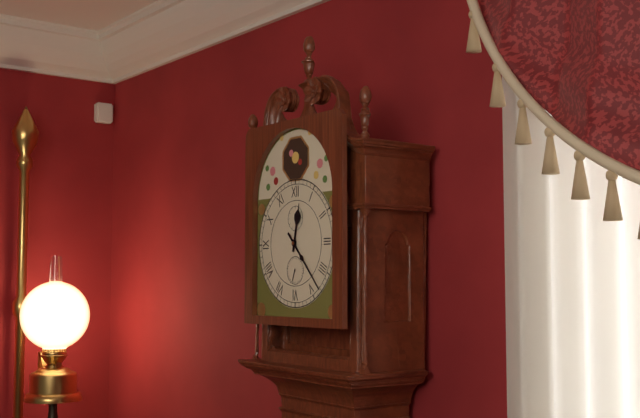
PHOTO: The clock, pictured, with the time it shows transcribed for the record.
12:23
